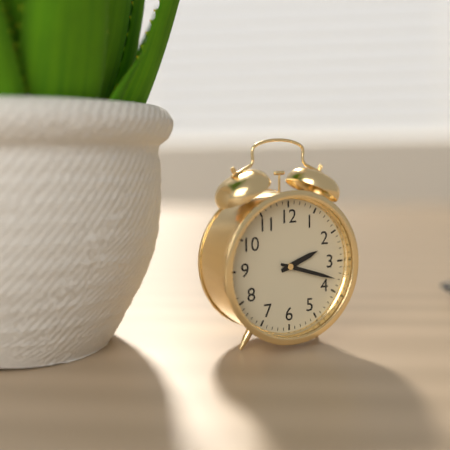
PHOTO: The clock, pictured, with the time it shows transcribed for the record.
2:18
